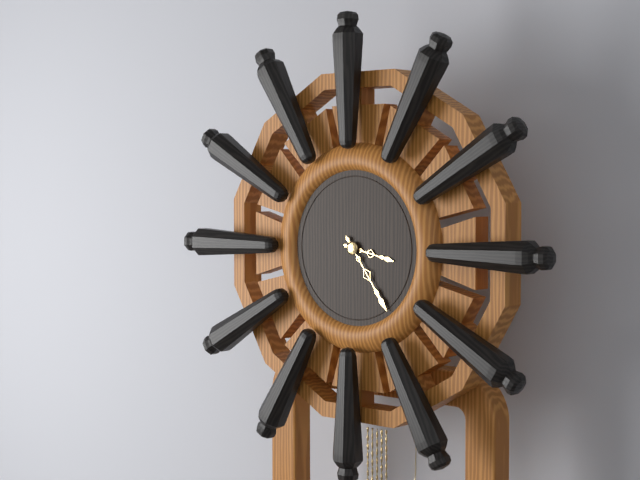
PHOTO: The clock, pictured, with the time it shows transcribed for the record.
3:24
